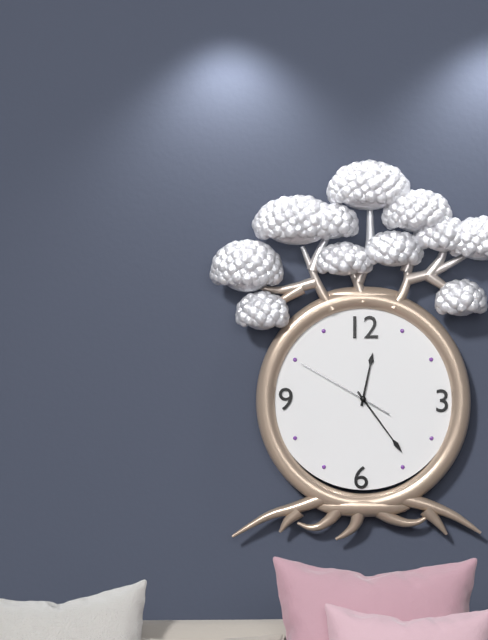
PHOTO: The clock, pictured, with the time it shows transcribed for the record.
12:24:50
